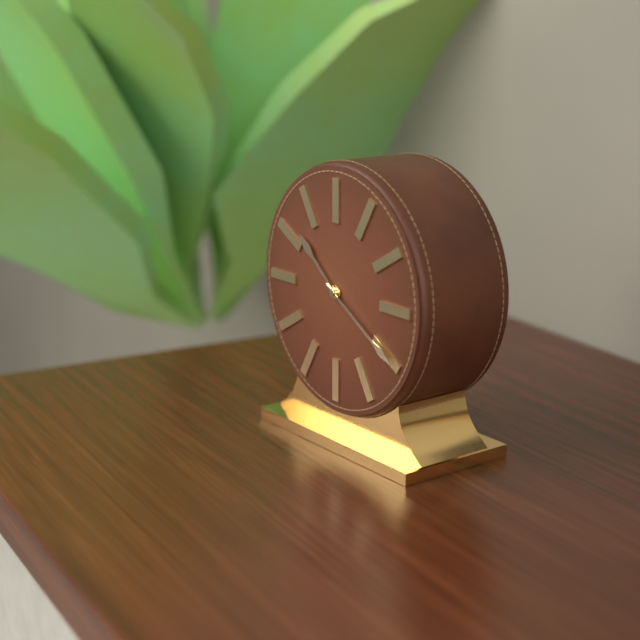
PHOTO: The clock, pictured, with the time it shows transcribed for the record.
10:20
